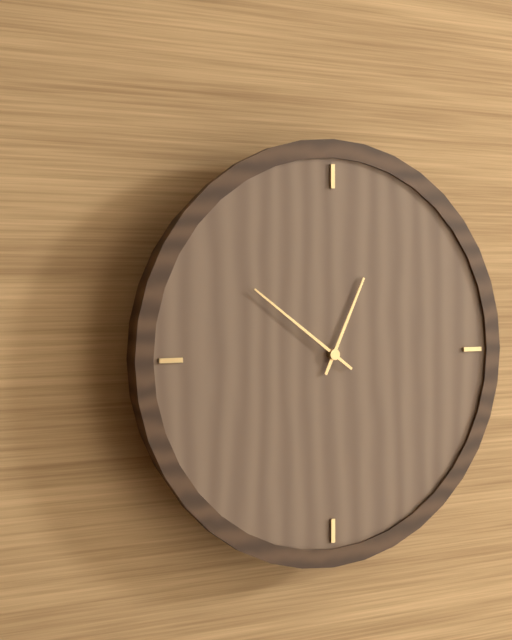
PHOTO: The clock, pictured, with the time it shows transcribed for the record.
12:51
